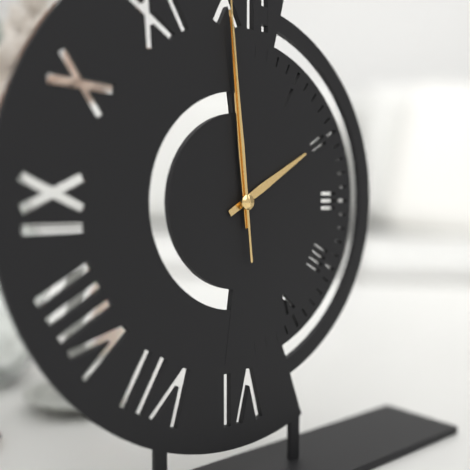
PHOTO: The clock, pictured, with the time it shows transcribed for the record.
1:59
